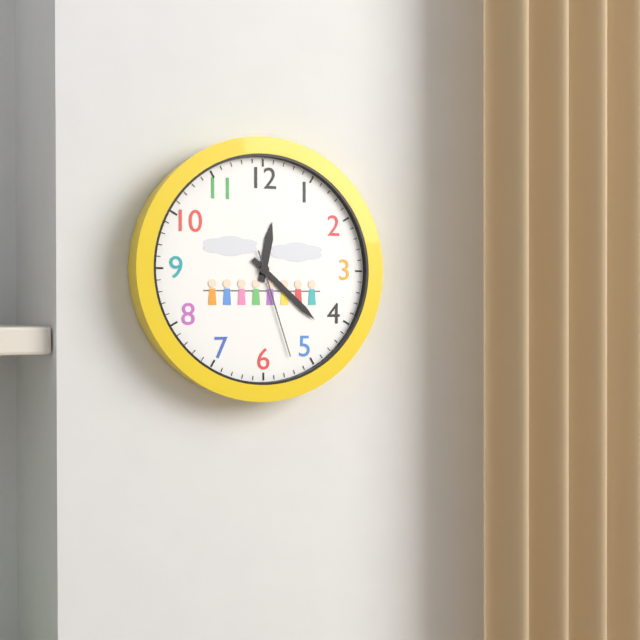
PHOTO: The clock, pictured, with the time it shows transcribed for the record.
12:22:27
